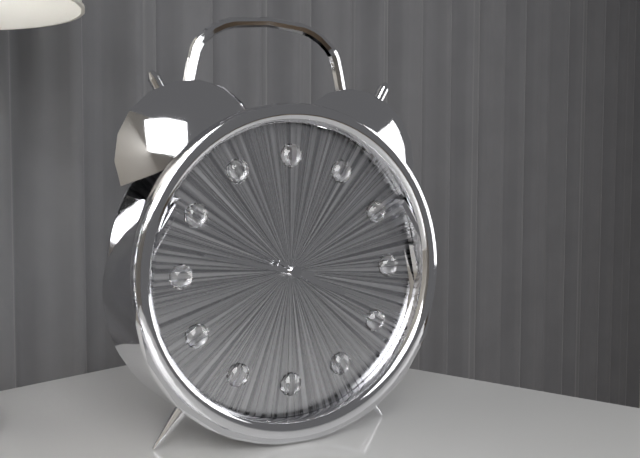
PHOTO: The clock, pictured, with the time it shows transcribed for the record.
3:47:50
